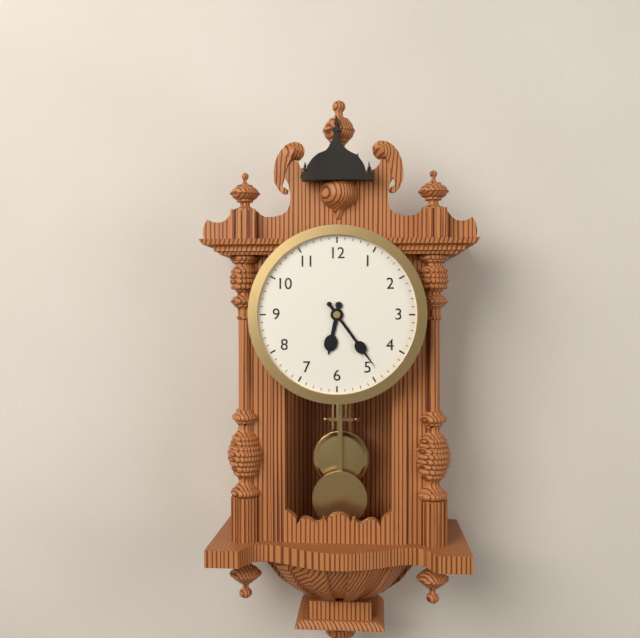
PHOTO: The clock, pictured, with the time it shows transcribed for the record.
6:24
